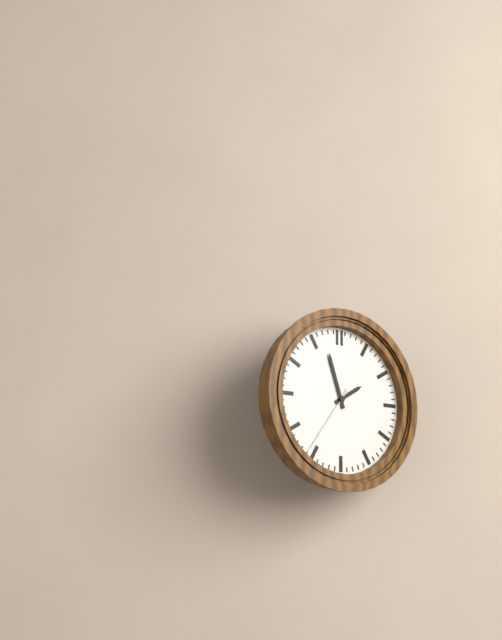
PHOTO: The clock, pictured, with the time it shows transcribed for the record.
1:57:36
